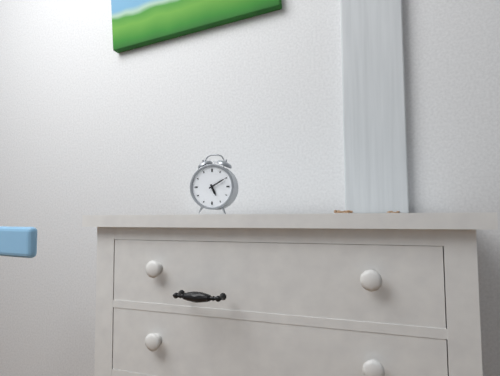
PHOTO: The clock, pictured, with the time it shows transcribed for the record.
5:10
